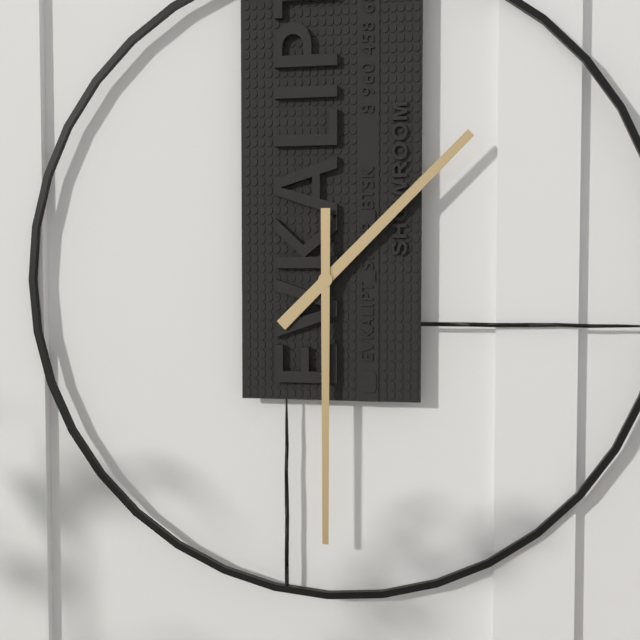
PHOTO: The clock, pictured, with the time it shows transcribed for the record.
1:30
